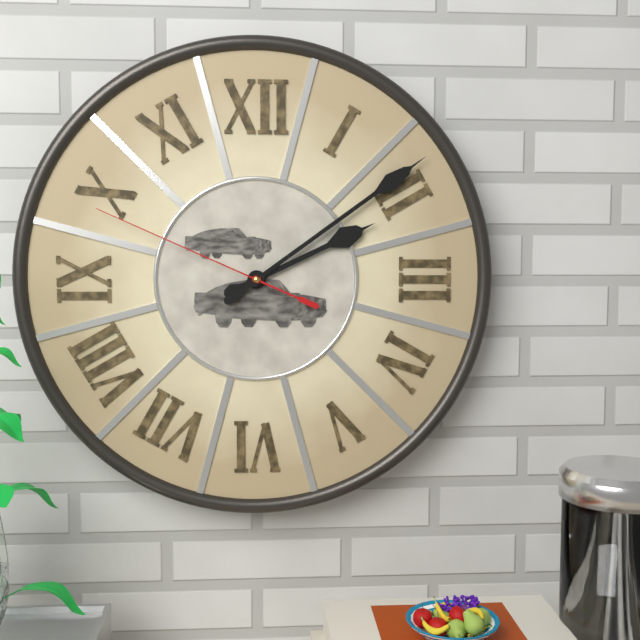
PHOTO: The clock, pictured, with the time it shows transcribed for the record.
2:09:49
